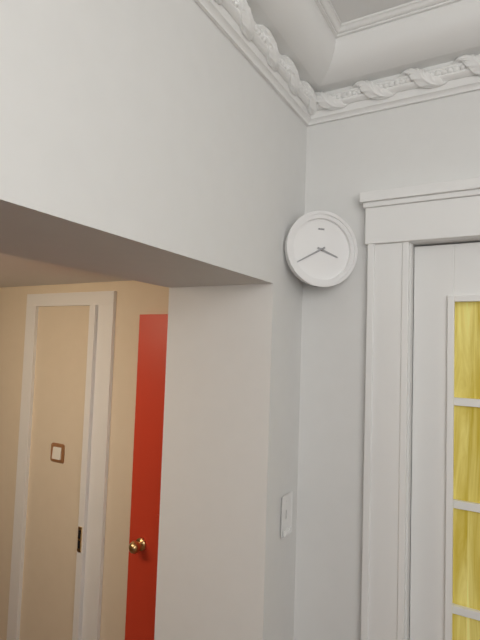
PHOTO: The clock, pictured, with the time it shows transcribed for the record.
3:40
